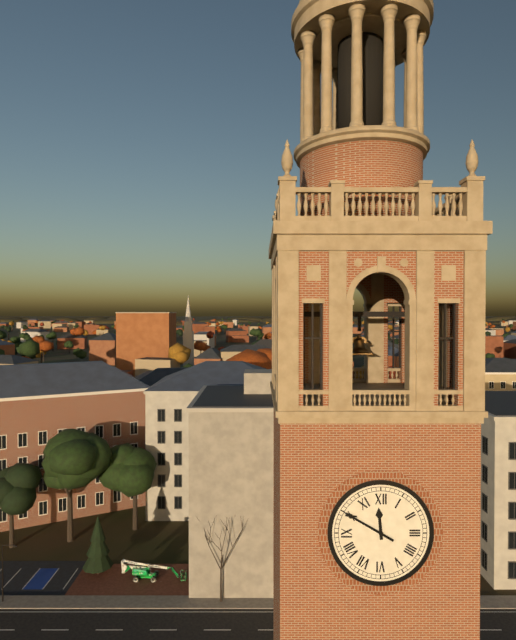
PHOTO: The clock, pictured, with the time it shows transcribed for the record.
11:50
